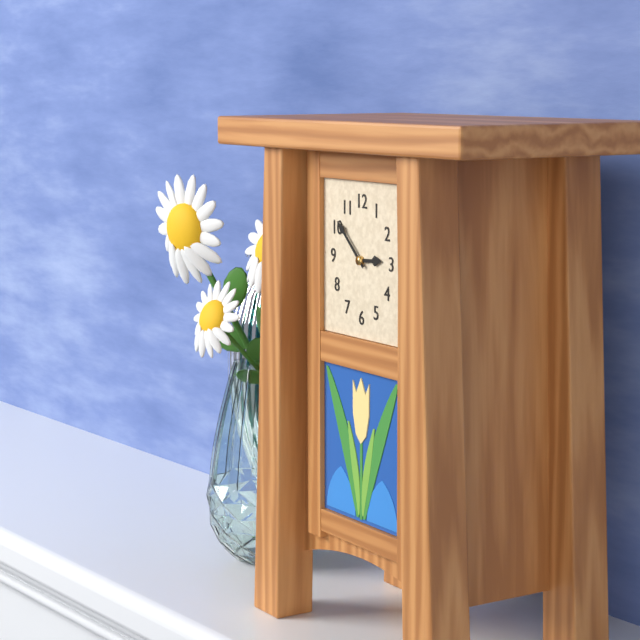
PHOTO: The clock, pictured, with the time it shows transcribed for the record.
2:52
